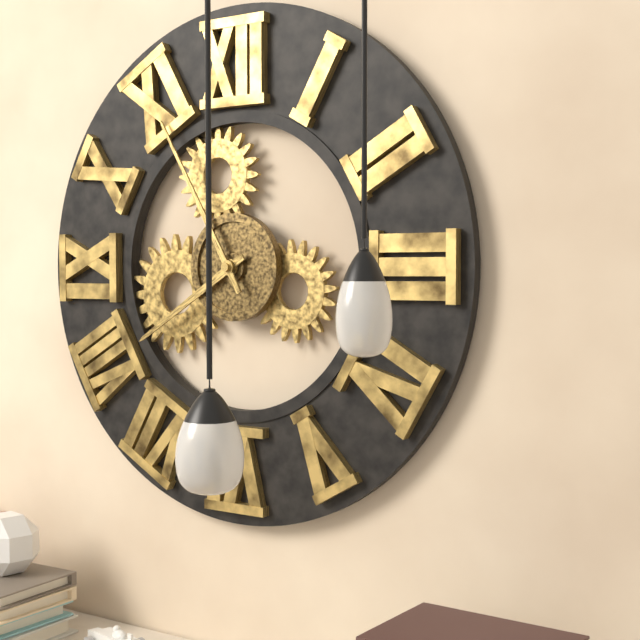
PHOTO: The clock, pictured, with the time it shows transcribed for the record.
7:55
